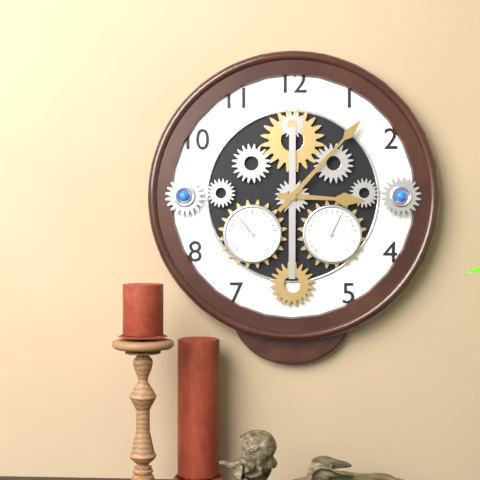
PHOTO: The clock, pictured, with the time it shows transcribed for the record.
3:07
